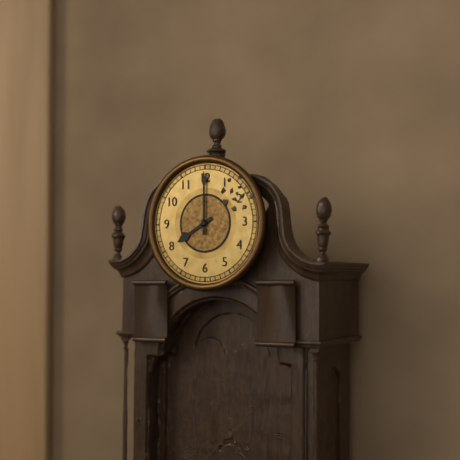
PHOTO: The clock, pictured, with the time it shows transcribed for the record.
8:00
